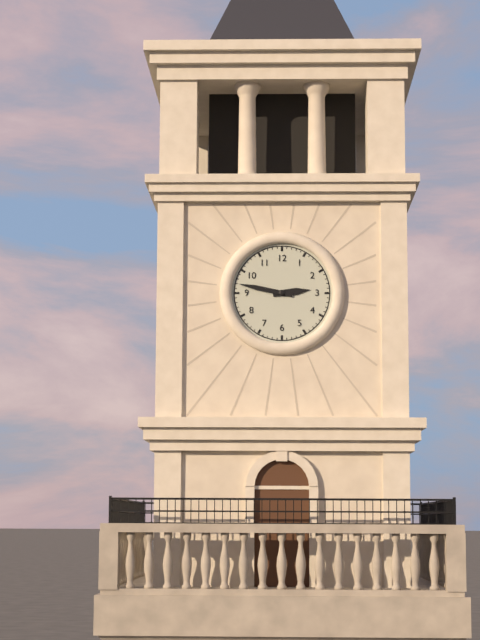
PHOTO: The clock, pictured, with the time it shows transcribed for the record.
2:47
